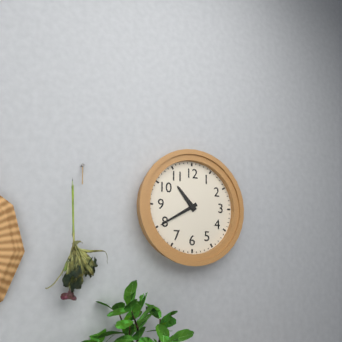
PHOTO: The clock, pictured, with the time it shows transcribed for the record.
10:40
